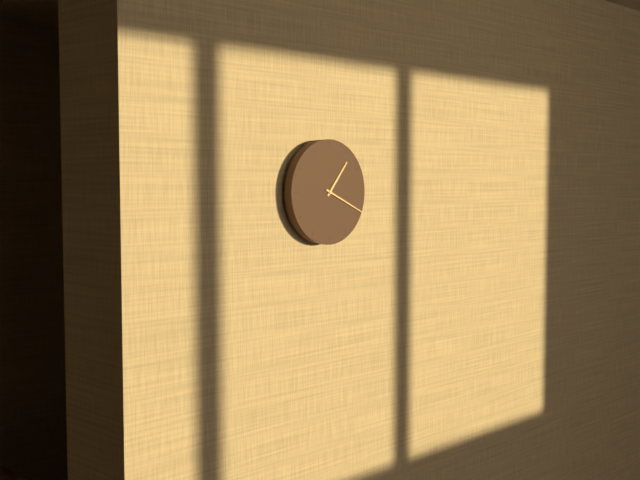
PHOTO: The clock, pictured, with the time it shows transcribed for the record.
1:19
